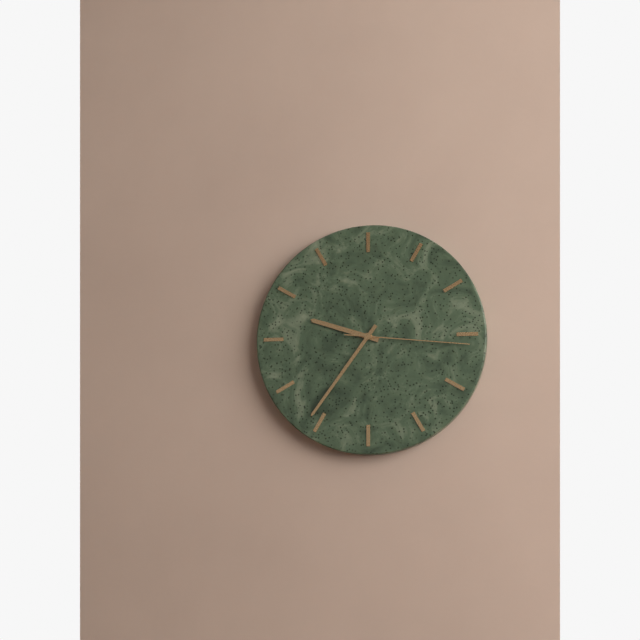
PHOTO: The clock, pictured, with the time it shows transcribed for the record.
9:36:16
